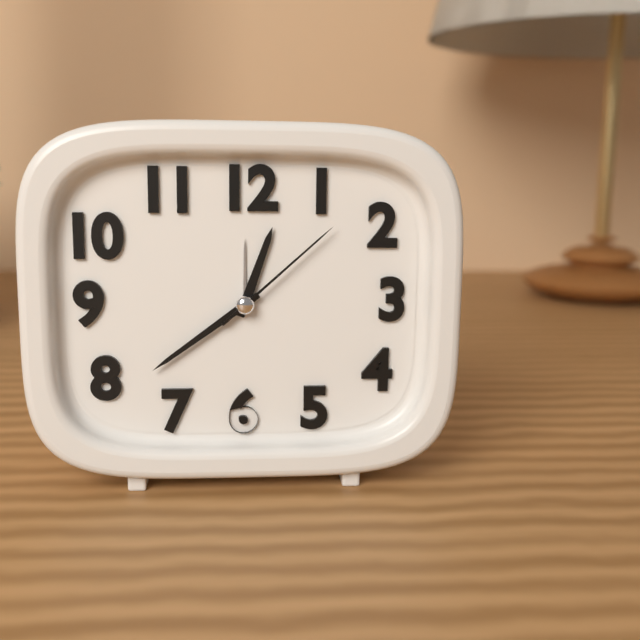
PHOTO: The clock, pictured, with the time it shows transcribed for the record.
12:39:08
